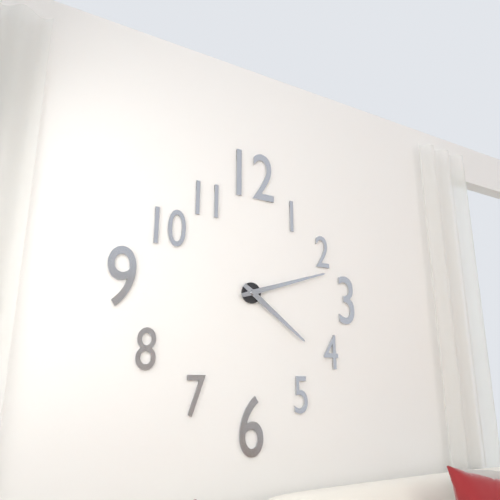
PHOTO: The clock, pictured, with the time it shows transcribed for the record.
4:12
